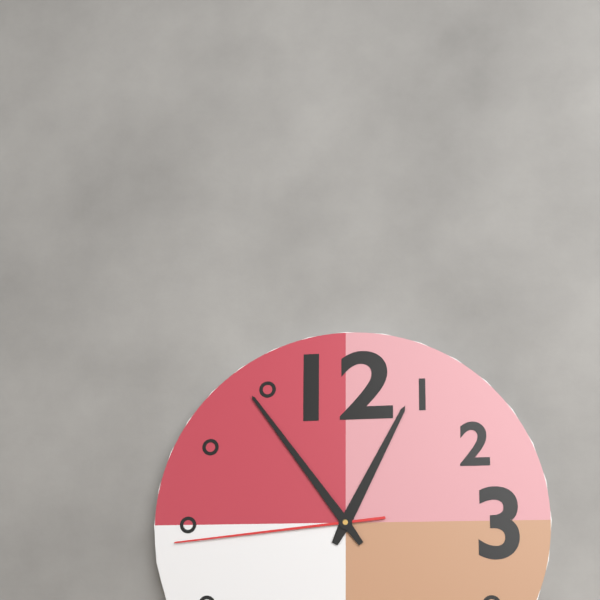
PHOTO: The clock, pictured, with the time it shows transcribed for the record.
12:54:44
